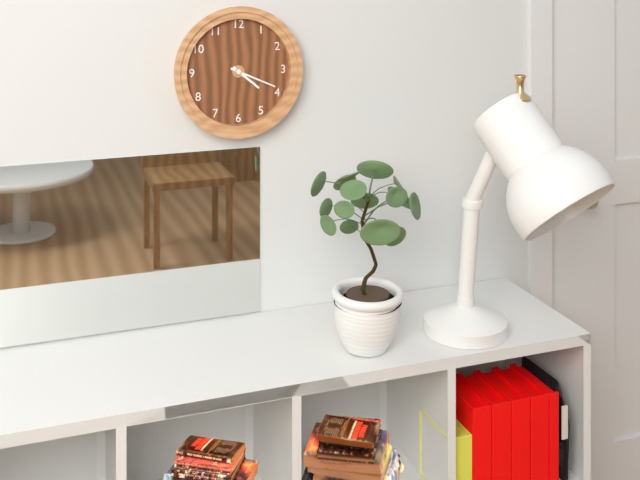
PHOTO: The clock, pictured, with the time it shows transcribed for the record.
4:19
